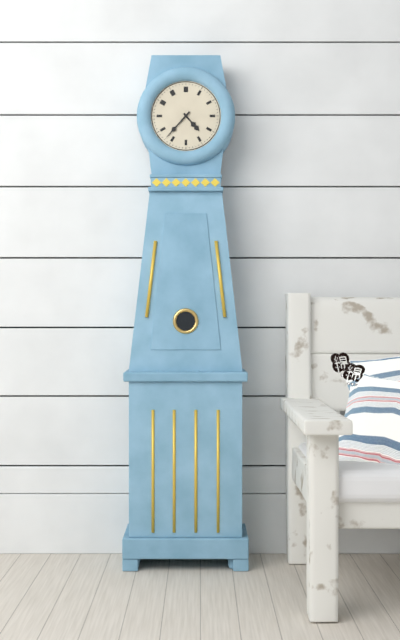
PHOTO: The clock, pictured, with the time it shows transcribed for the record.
4:37
